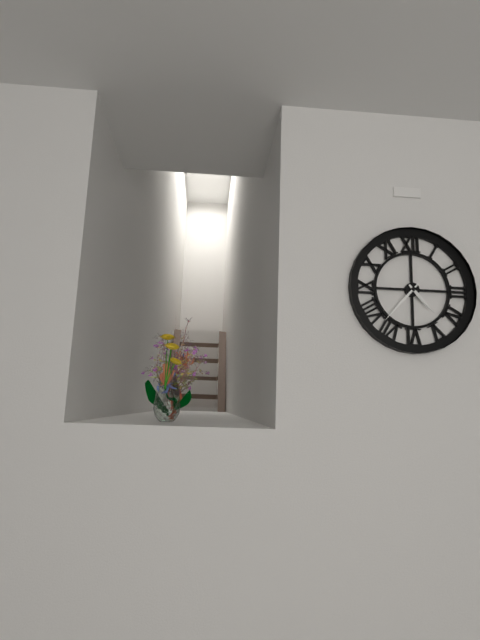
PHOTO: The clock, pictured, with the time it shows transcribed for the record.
4:37
